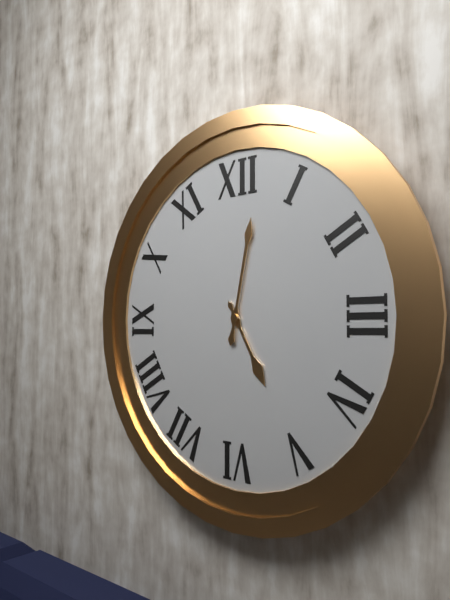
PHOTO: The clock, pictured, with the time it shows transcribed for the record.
5:02
